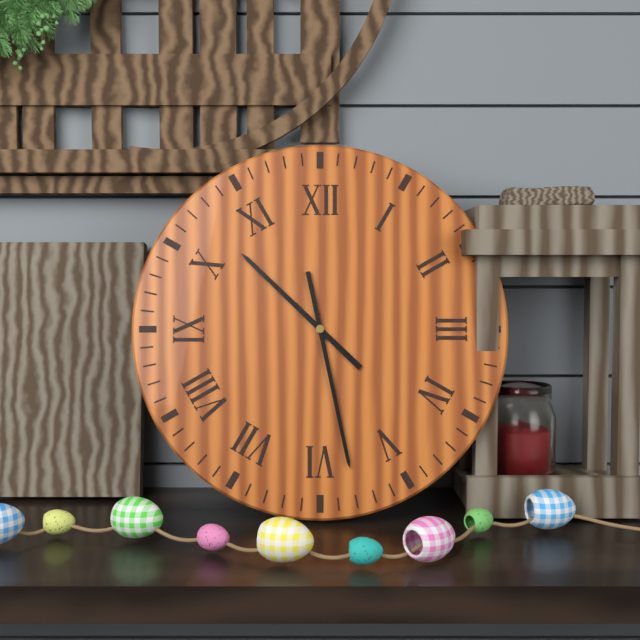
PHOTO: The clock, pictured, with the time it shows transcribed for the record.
10:28
